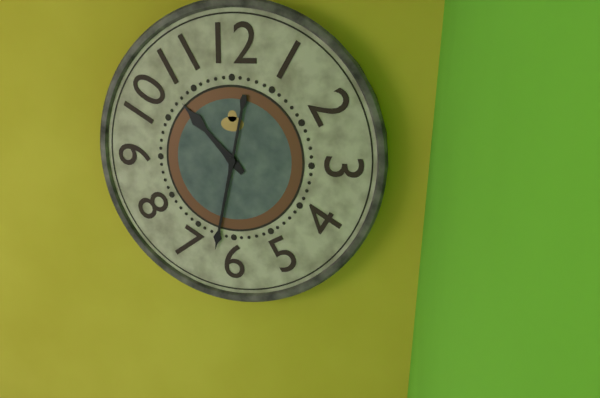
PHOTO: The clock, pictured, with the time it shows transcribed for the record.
10:32
